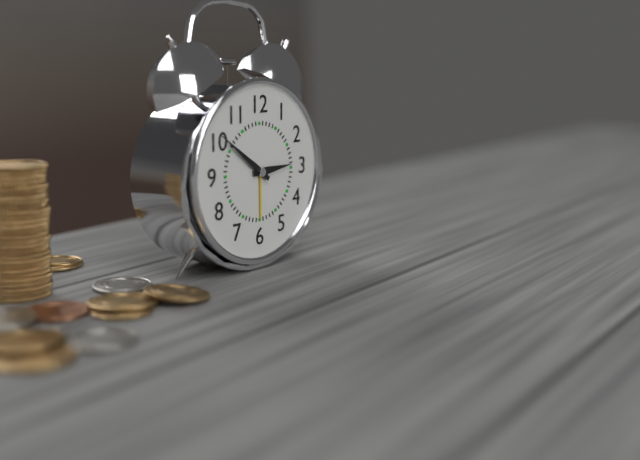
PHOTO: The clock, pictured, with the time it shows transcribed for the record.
2:51
